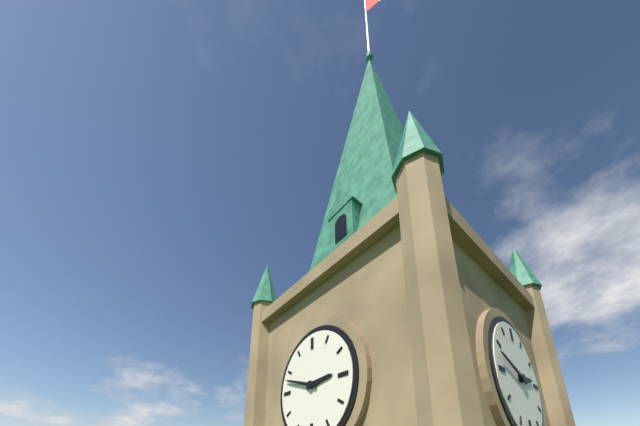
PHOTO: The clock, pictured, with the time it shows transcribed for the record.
2:48
